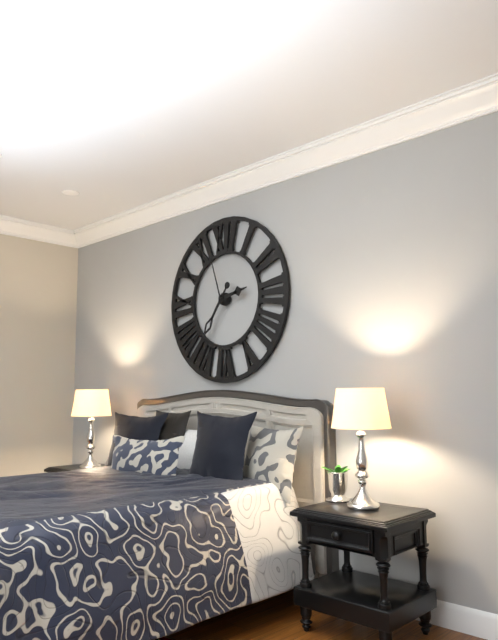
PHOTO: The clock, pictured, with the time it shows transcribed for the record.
2:36:57
